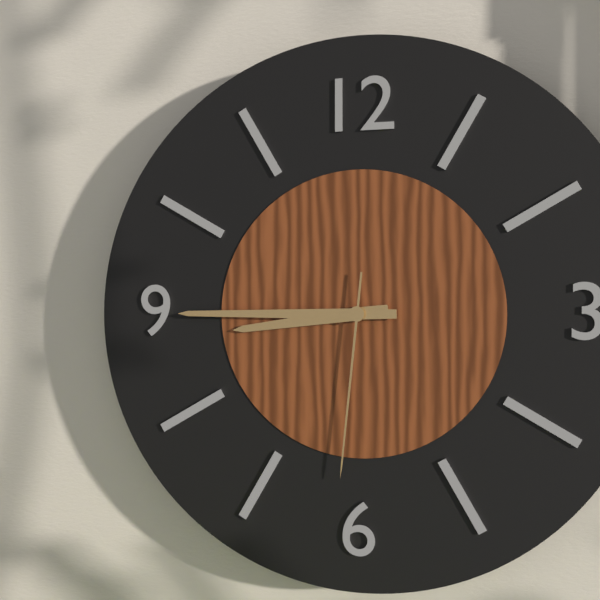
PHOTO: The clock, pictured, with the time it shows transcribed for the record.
8:45:31
